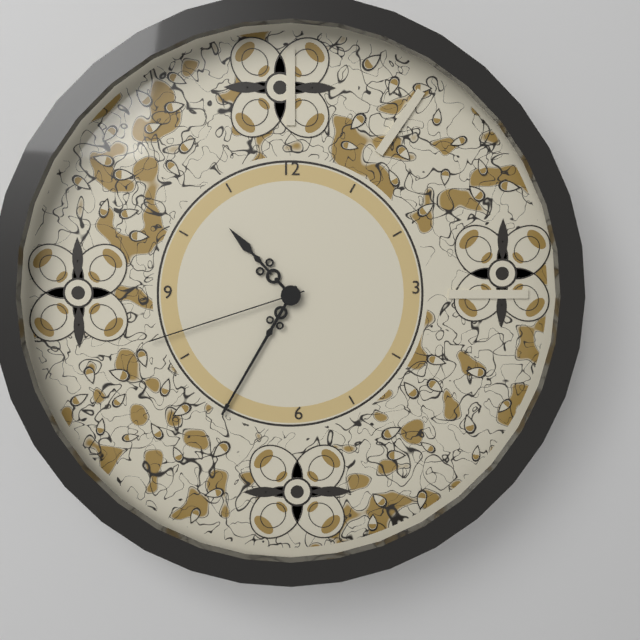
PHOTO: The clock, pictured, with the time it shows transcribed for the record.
10:35:42
